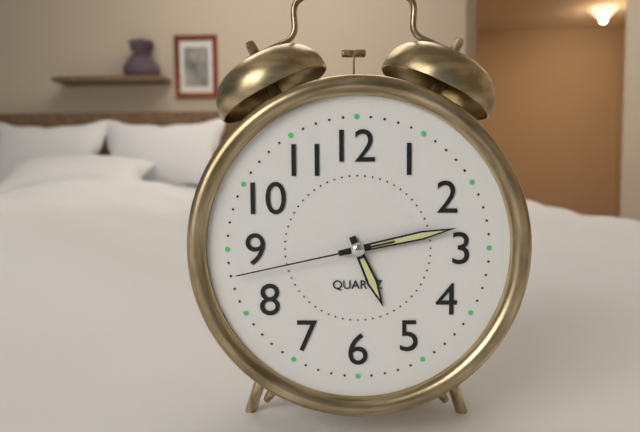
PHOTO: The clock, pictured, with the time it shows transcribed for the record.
5:13:43
